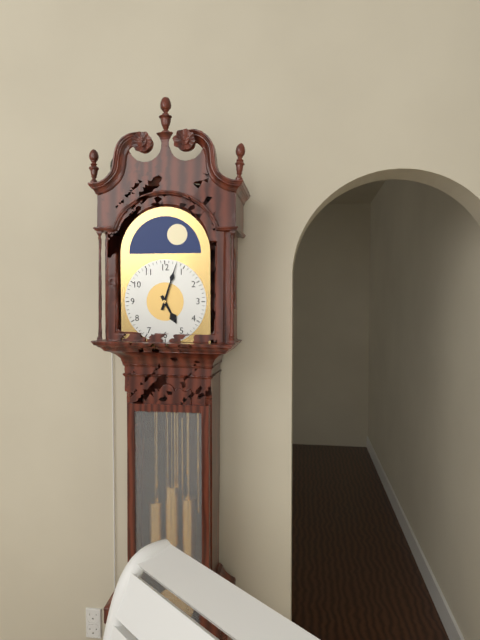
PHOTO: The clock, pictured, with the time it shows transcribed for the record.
5:03
